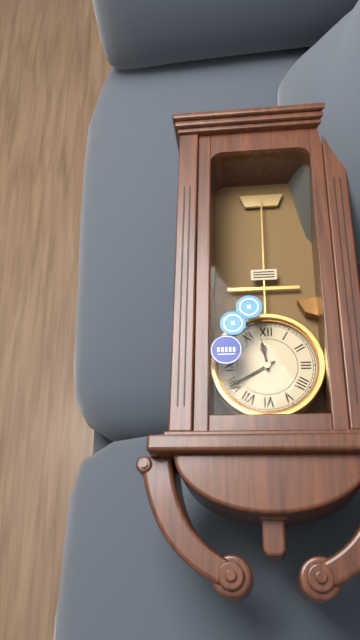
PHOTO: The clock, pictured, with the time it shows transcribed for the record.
11:40
